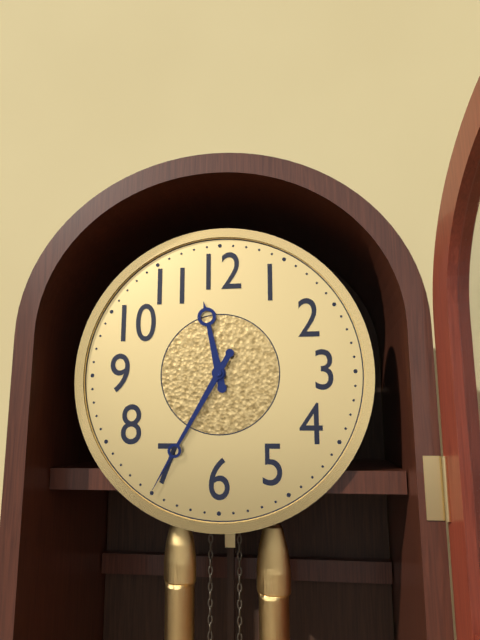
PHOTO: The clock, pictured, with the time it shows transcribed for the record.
11:35
